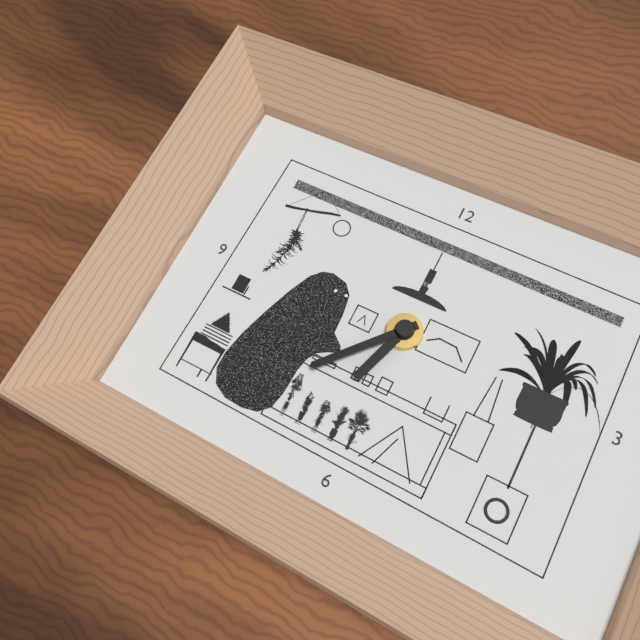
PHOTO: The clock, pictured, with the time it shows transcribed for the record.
6:37
